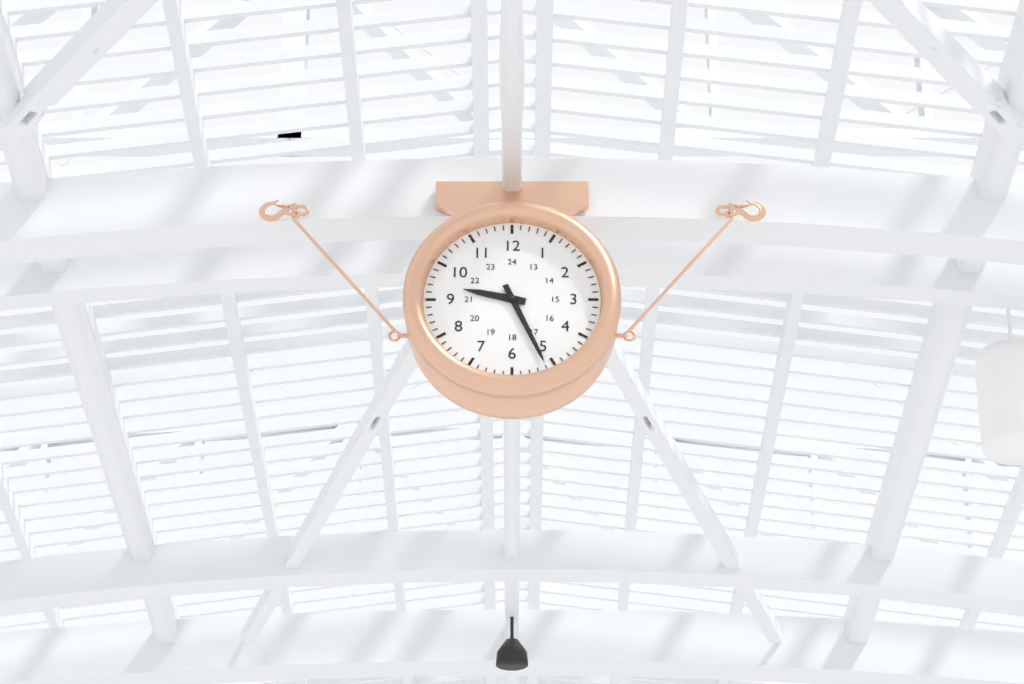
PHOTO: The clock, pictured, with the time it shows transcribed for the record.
9:26
